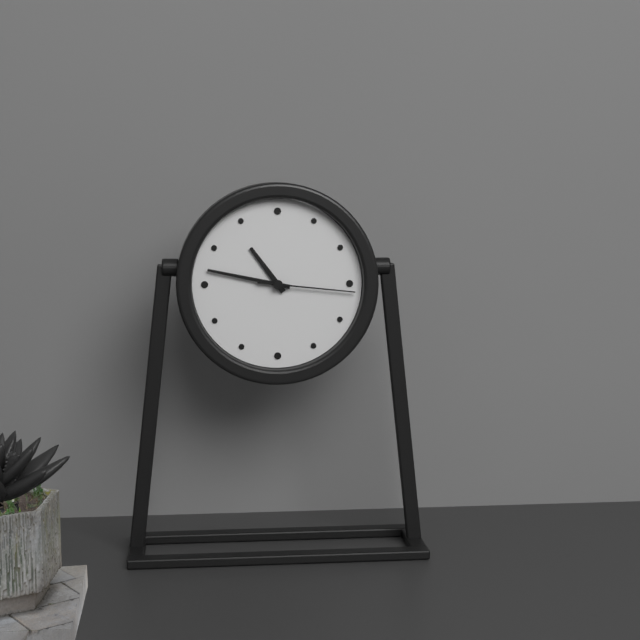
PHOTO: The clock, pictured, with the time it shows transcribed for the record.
10:47:16
